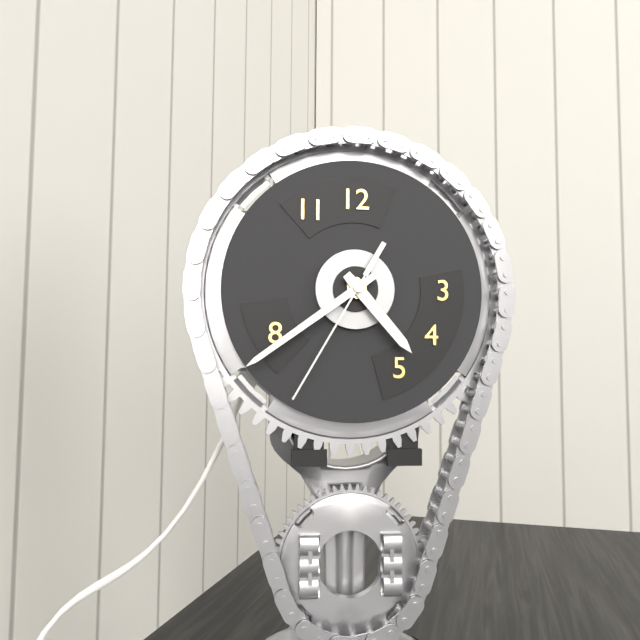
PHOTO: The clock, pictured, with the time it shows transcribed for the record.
4:39:35
